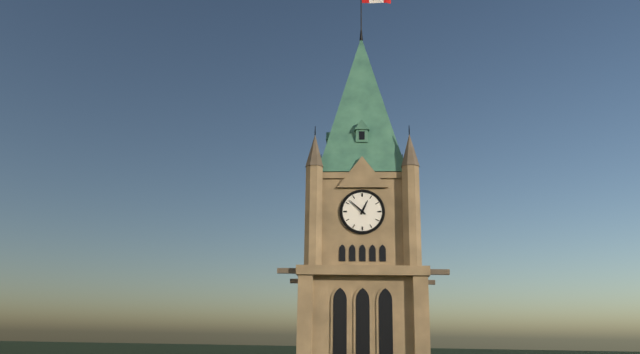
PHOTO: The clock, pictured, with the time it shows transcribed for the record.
12:52
